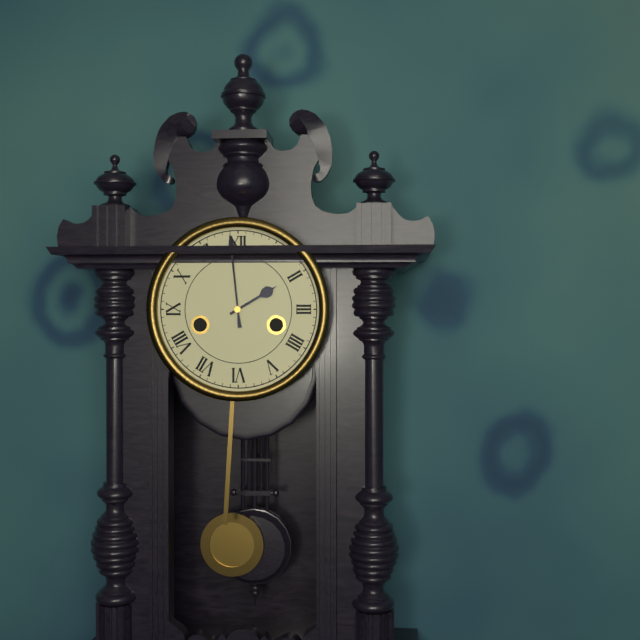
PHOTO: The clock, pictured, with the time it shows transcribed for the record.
1:59
